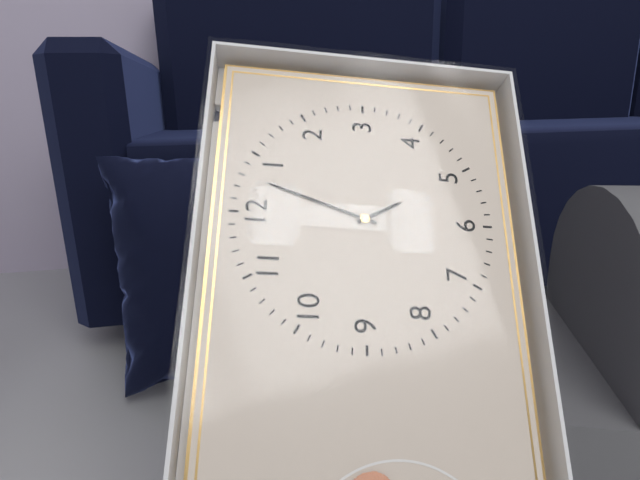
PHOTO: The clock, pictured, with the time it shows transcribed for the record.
5:03
